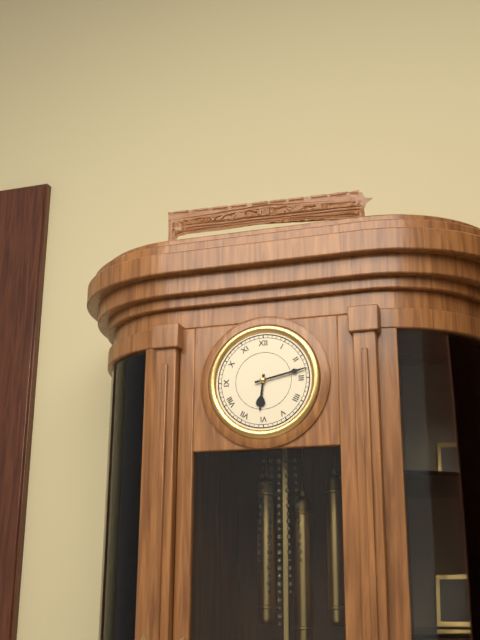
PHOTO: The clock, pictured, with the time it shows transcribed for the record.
6:13
